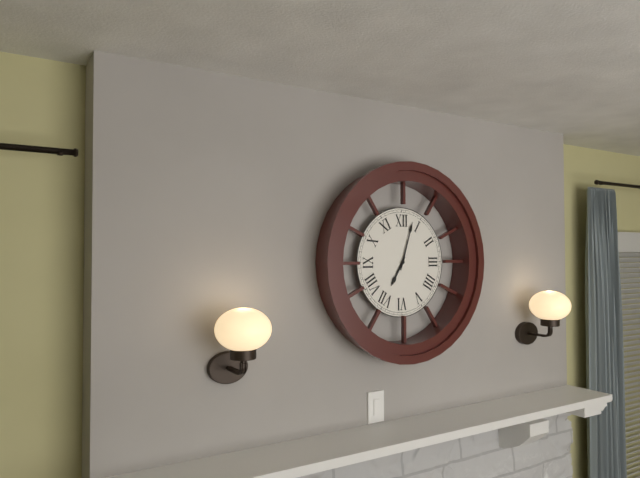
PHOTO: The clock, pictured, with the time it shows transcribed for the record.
7:03
